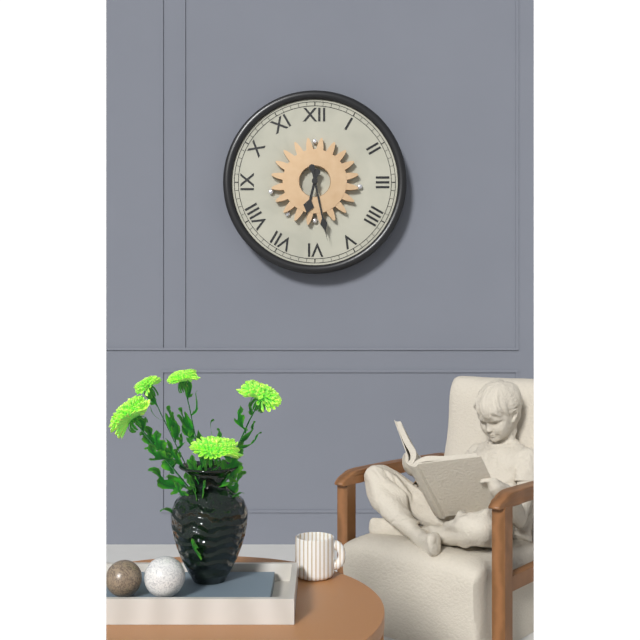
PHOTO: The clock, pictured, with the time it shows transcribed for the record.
6:28
